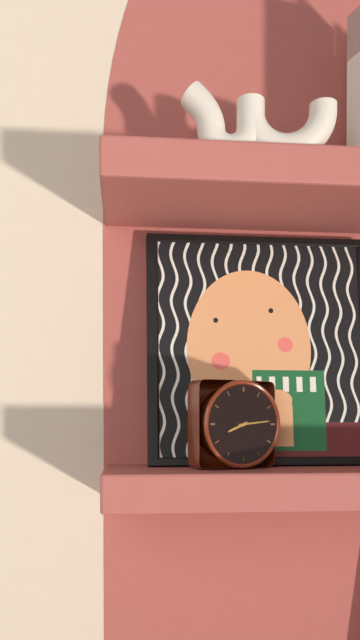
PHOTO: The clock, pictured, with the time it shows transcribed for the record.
8:14
